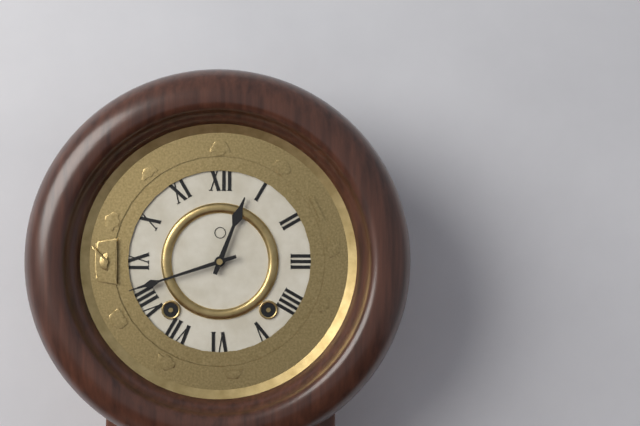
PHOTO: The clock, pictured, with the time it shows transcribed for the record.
12:42
